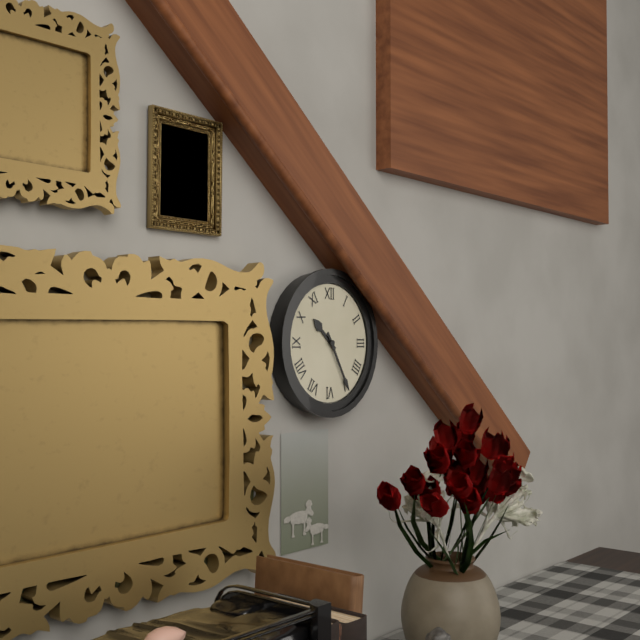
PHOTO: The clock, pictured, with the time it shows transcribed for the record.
10:25
